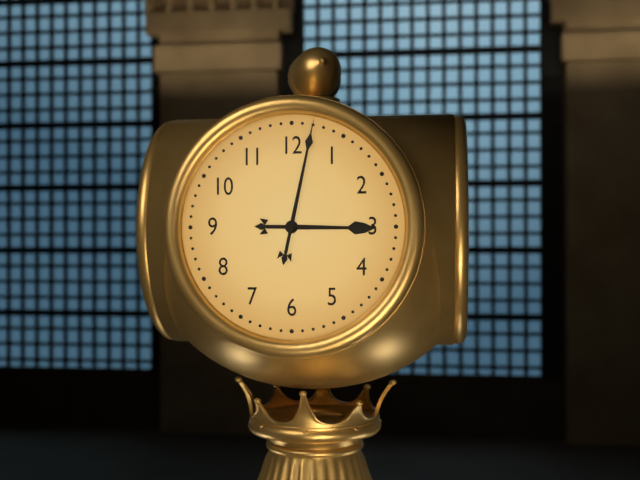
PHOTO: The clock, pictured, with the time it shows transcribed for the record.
3:02
